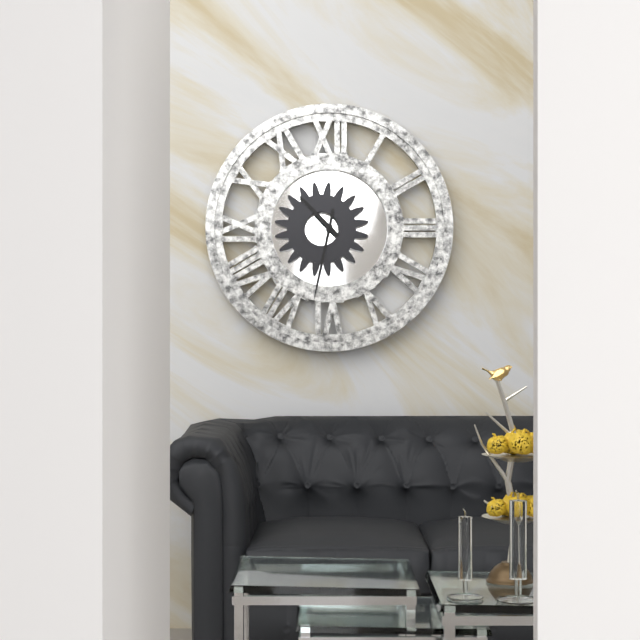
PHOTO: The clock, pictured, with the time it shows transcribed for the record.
10:32
